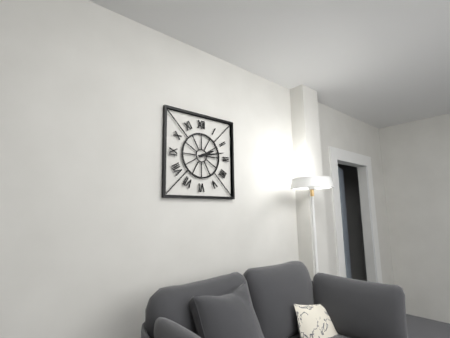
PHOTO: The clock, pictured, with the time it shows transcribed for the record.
2:13
